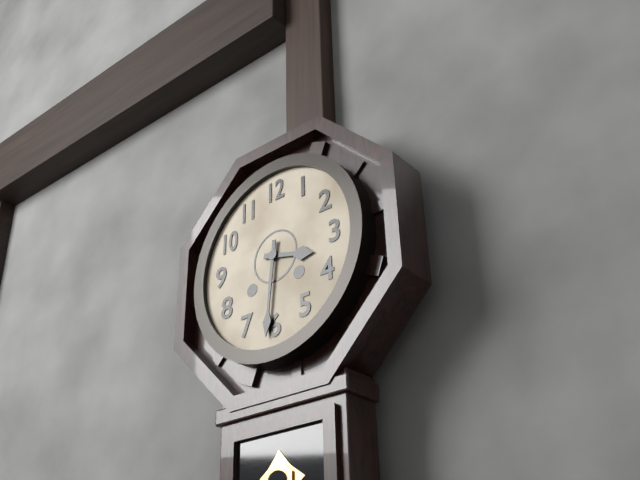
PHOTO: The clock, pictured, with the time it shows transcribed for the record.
3:31
